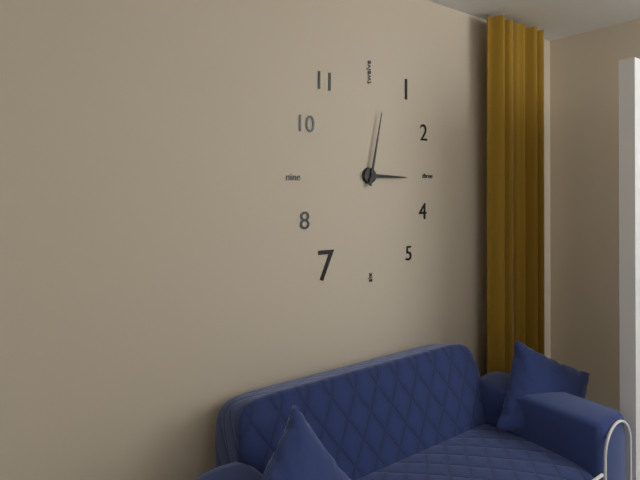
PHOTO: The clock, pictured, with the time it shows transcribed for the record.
3:02
